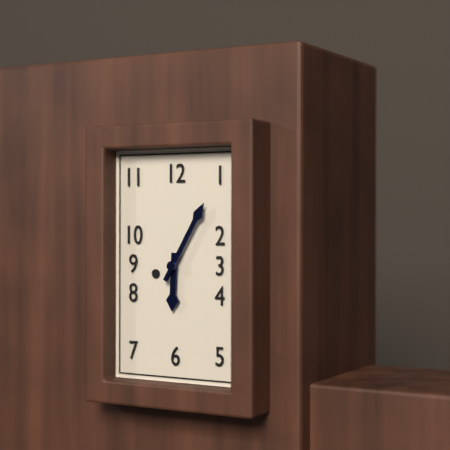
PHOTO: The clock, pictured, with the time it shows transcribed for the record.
6:05
